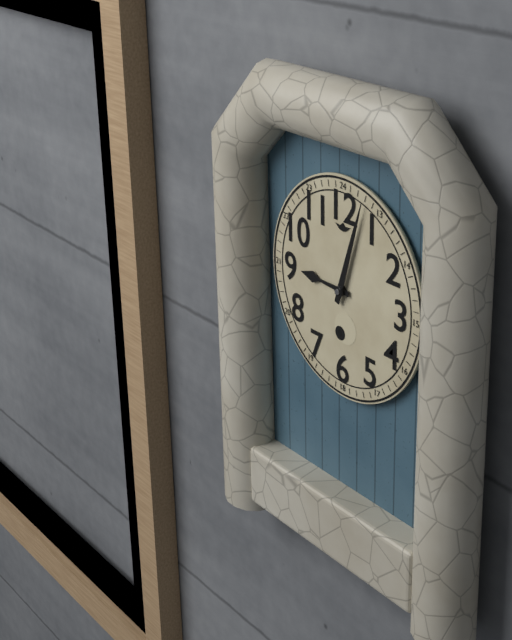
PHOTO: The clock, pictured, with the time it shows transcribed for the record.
9:03
